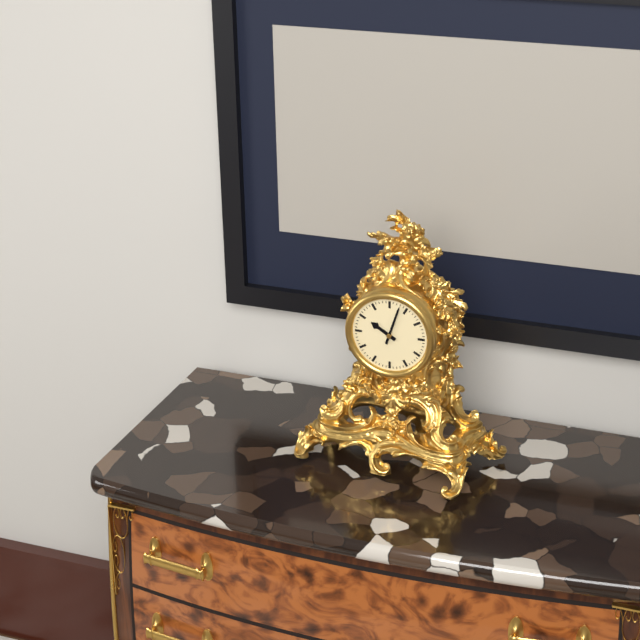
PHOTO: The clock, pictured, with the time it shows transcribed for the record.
10:03
